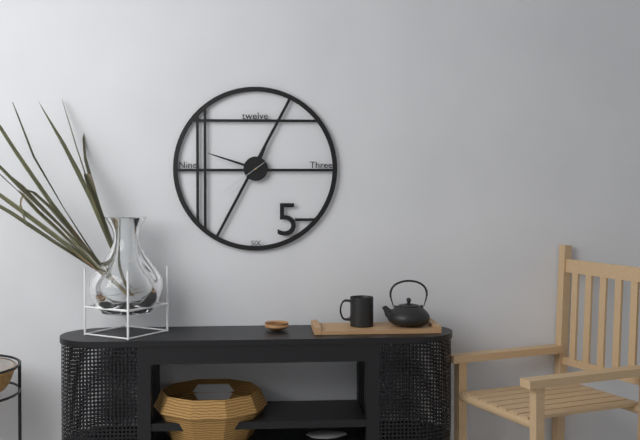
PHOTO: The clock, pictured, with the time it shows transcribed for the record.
12:48
